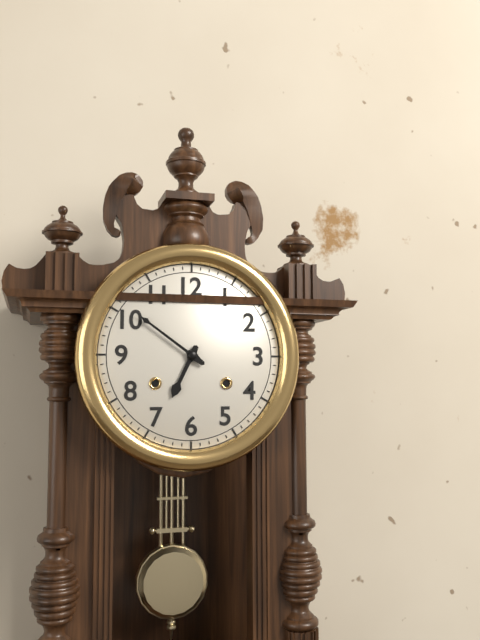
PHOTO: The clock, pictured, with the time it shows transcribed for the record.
6:51
